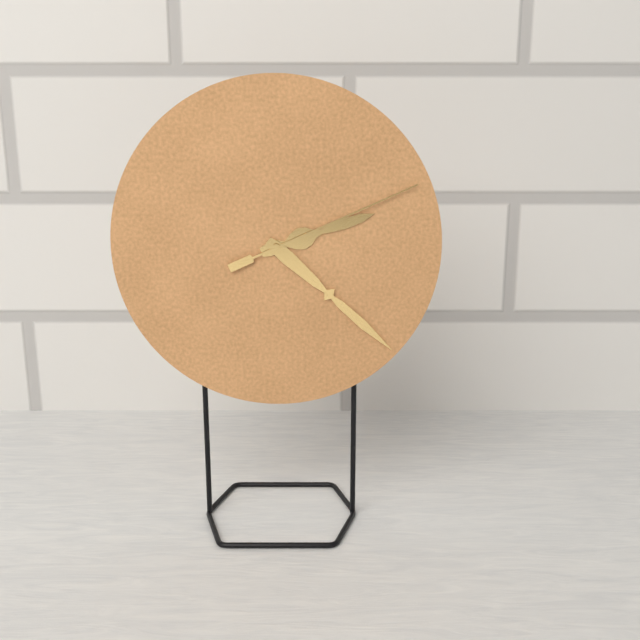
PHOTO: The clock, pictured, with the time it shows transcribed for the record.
2:22:11
